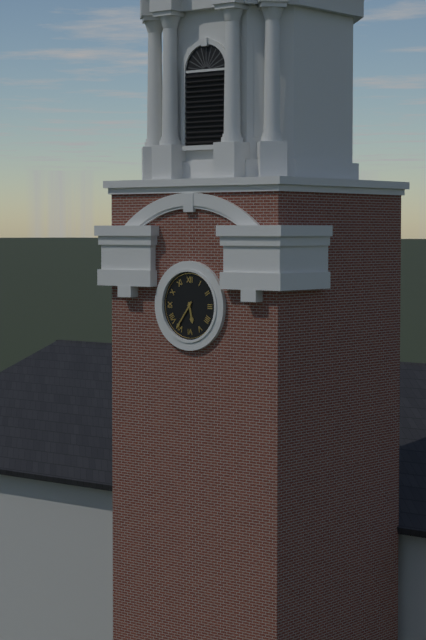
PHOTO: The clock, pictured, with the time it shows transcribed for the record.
5:36
